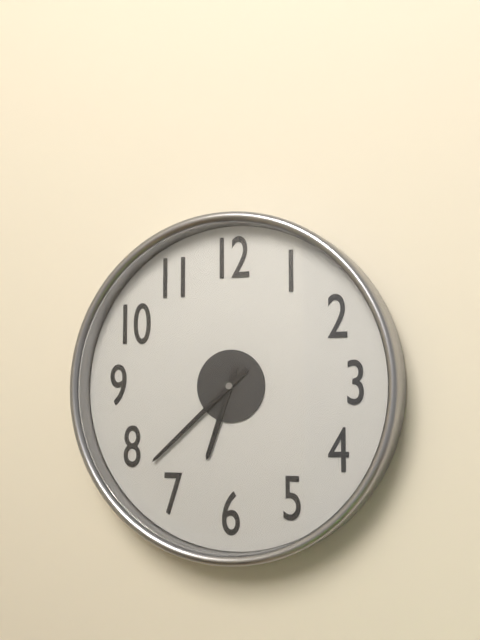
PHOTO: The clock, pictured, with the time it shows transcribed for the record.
6:38
